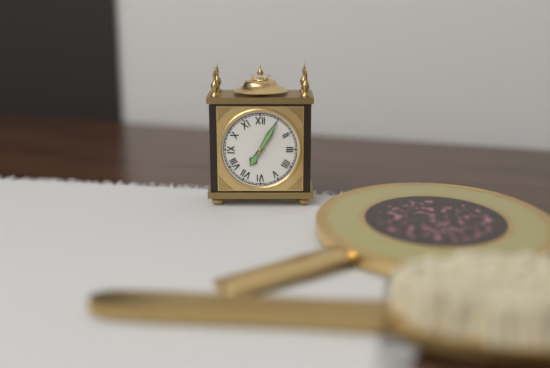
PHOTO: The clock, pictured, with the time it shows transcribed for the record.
7:05
